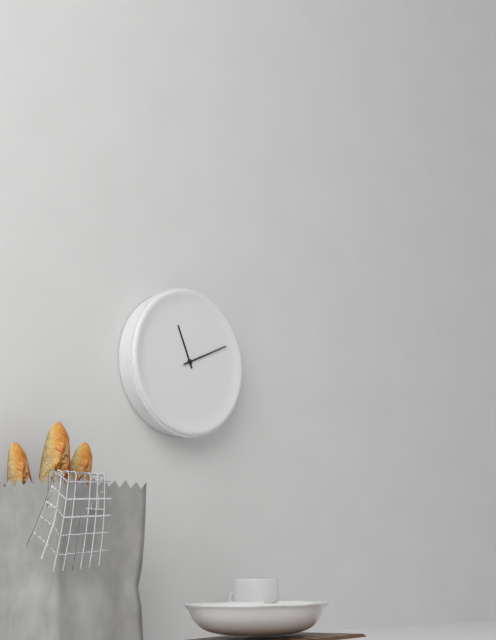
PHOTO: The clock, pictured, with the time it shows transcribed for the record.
11:11
